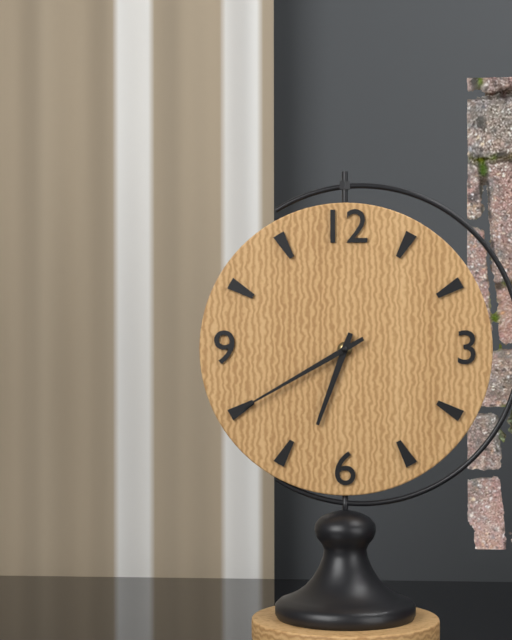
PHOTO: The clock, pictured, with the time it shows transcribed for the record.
6:40
